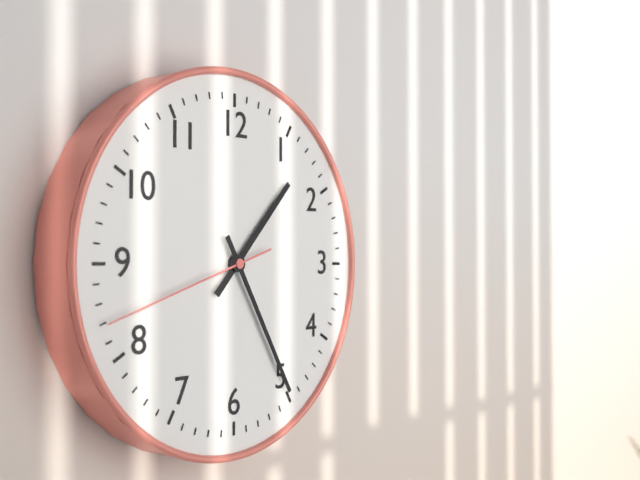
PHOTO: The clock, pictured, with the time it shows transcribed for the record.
1:25:42
